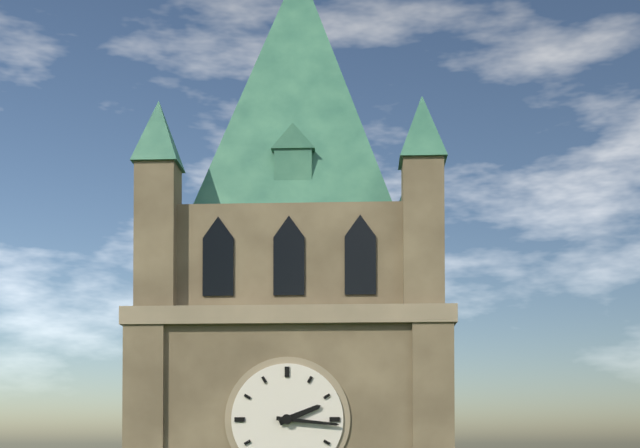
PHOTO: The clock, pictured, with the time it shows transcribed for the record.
2:16
